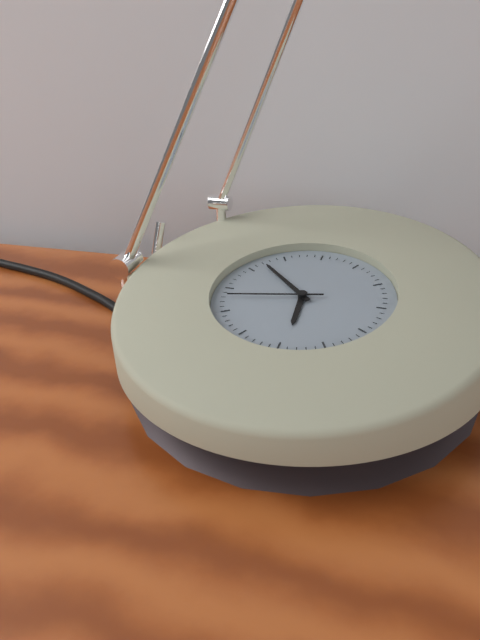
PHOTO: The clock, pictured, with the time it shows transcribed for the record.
5:52:43
